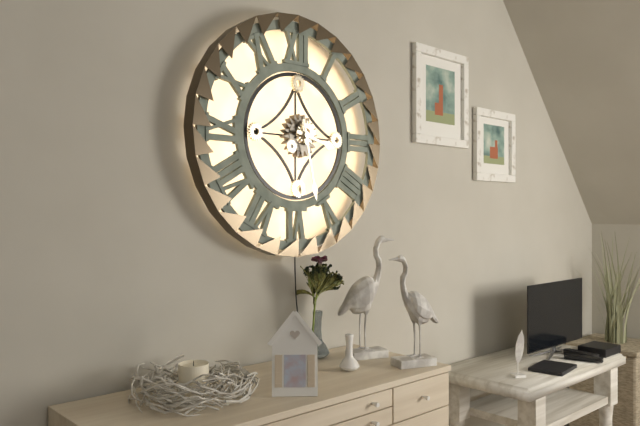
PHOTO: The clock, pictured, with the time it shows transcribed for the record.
3:28
